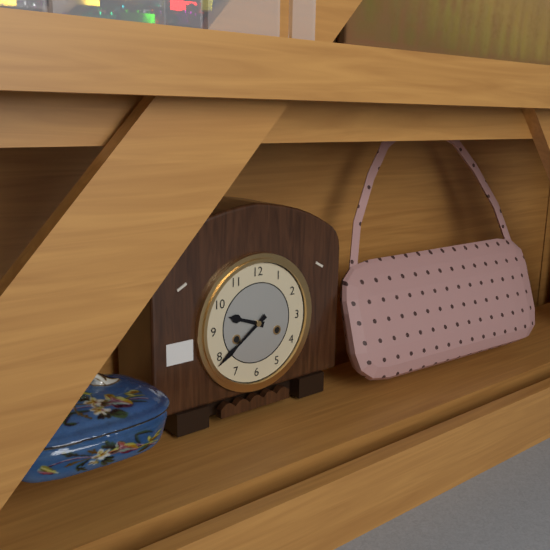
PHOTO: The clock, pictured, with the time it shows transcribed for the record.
9:39
